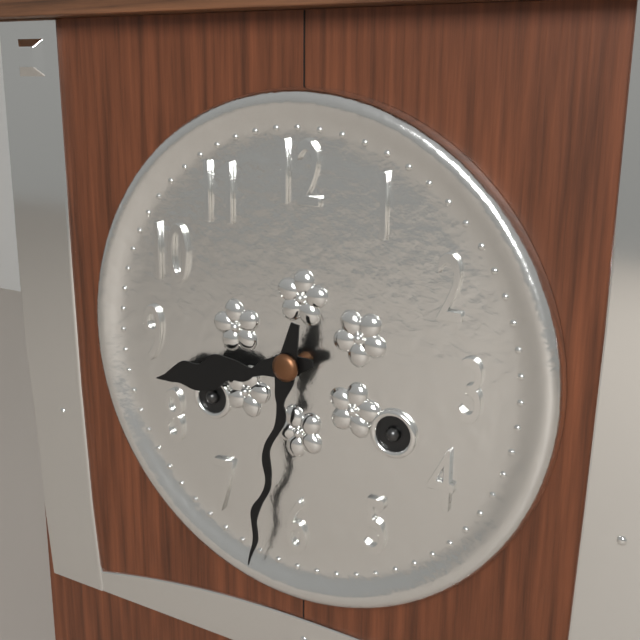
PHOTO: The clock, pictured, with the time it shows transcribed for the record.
8:32
